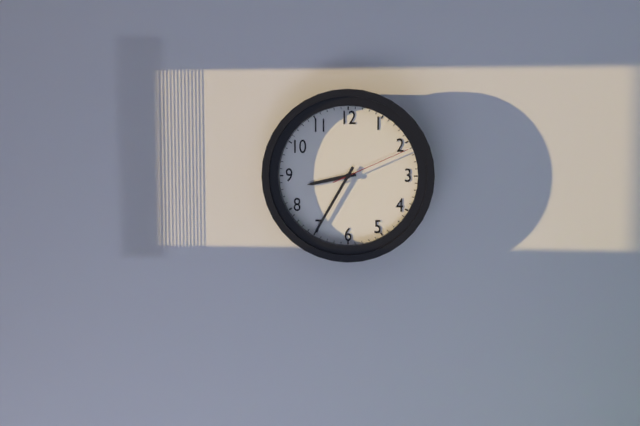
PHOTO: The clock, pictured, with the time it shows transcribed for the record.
8:35:11
